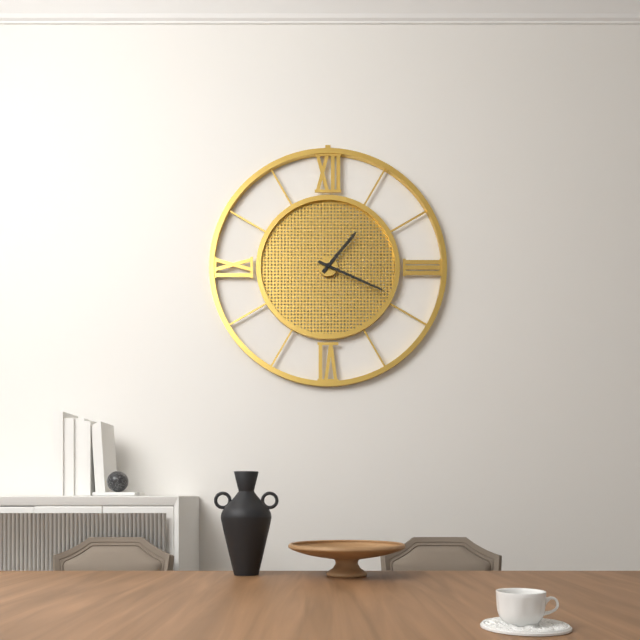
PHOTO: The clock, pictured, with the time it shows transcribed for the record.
1:19
